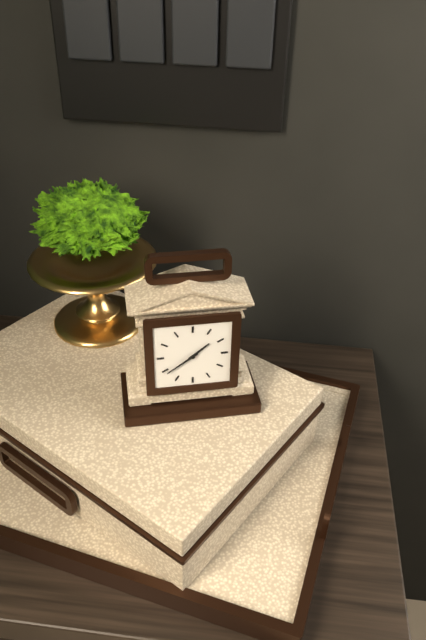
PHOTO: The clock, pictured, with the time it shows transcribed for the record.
1:39
